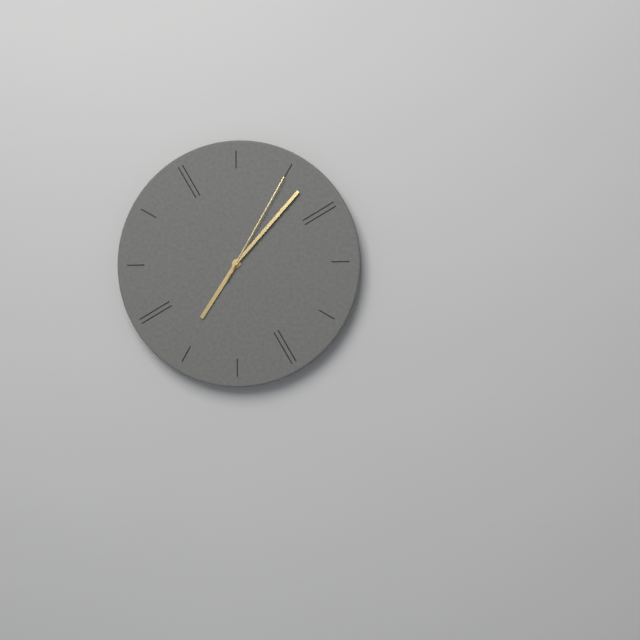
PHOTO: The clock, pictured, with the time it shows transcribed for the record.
7:07:05
